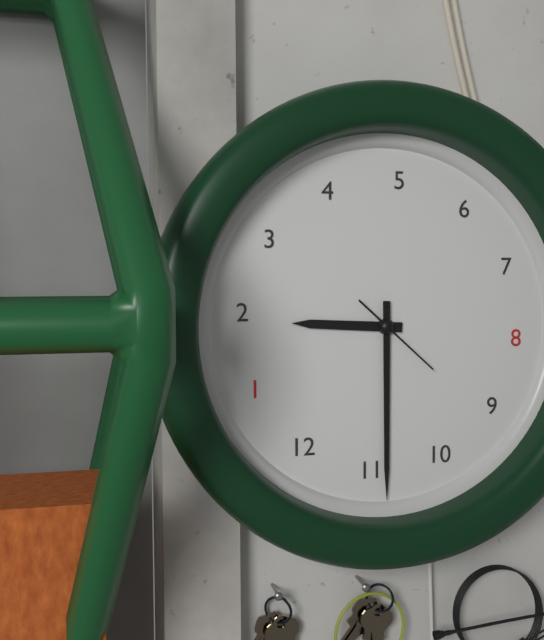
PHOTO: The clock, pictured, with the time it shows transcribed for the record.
1:54:46
